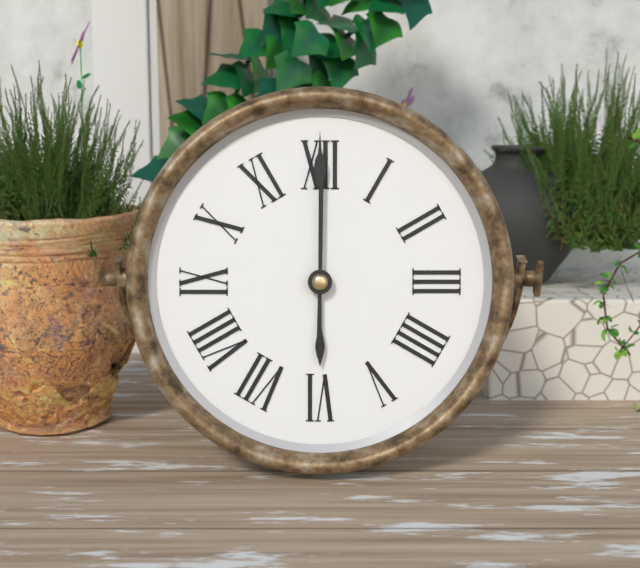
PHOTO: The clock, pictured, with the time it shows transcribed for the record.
6:00
